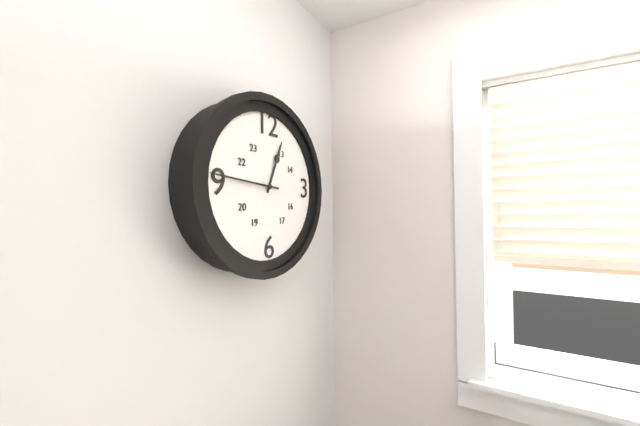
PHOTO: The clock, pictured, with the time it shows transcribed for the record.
12:46
